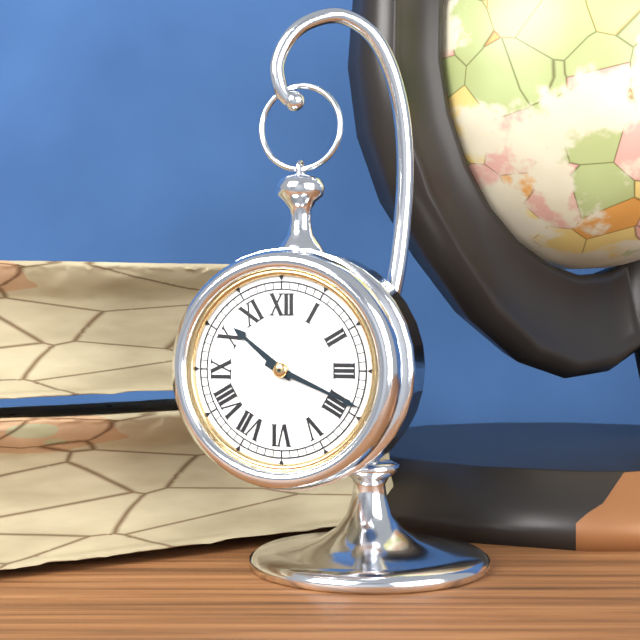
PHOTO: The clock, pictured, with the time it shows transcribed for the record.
10:19
